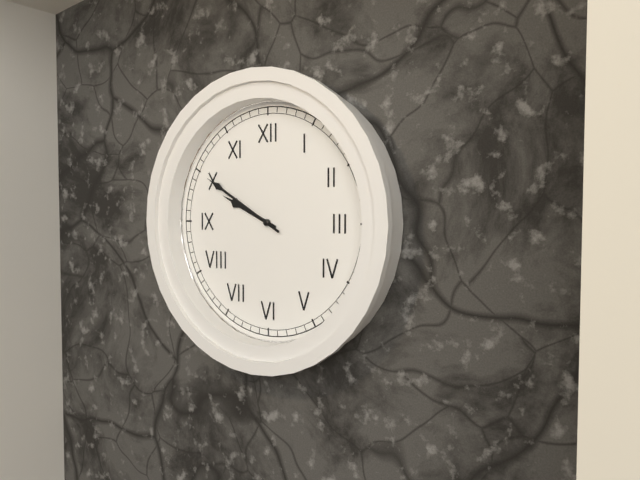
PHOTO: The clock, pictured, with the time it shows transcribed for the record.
9:50
